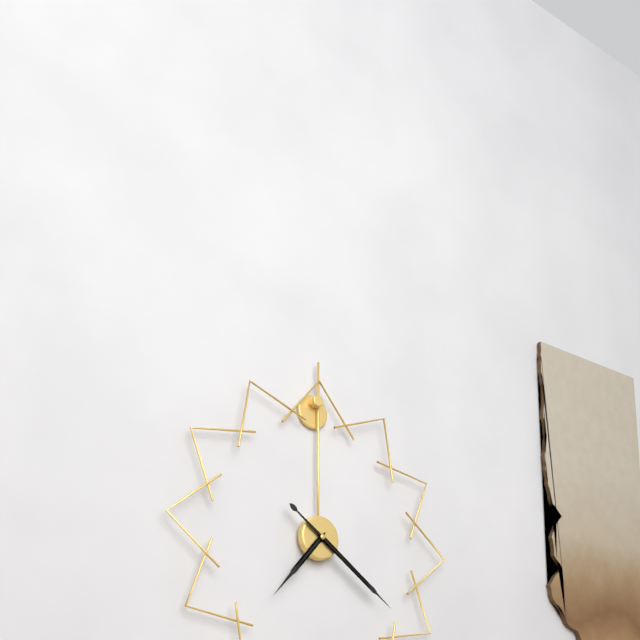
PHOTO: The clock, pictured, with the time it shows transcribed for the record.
7:21
